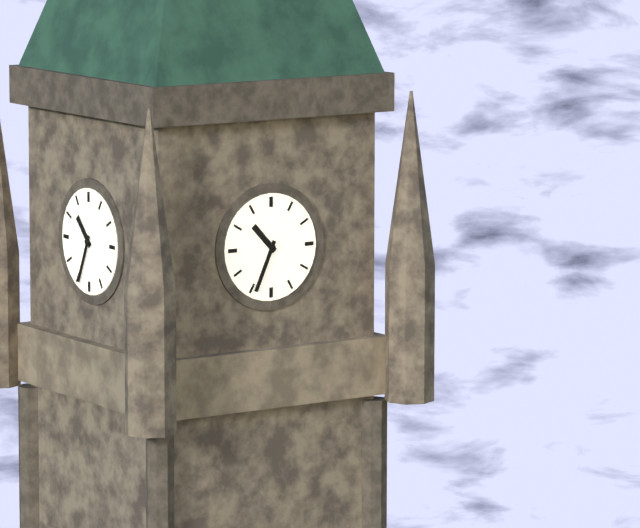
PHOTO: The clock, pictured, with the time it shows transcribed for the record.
10:34
